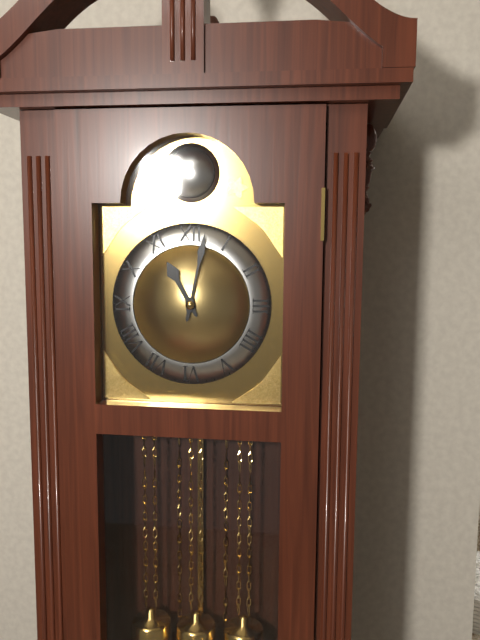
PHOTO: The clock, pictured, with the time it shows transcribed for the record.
11:02
